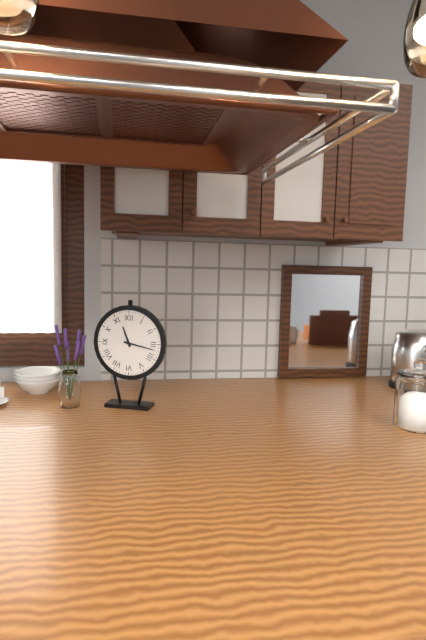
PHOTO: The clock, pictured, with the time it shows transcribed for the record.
11:17
